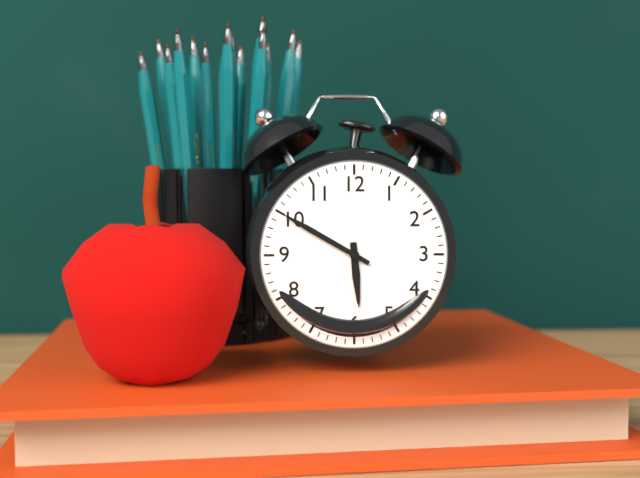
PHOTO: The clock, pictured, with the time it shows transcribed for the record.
5:50
